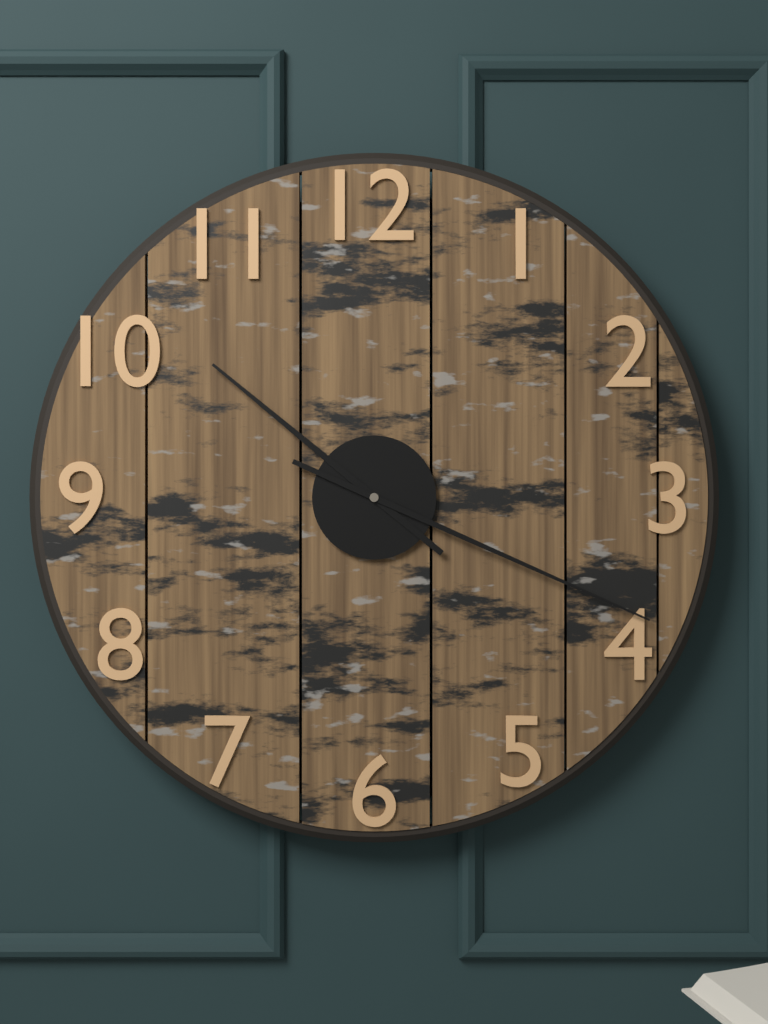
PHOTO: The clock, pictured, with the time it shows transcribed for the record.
10:19
